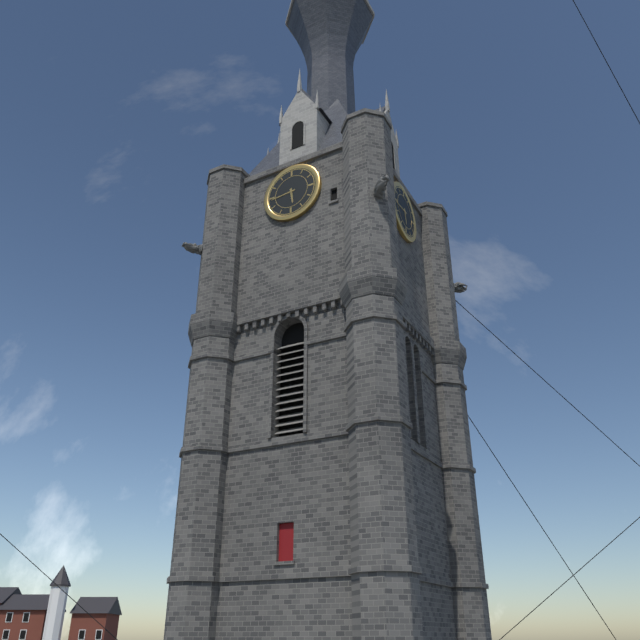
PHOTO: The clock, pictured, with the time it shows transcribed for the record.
5:44
